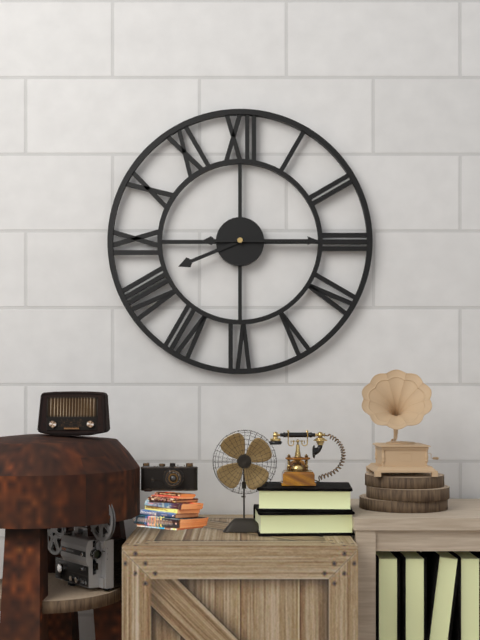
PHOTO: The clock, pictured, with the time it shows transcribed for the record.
8:15
